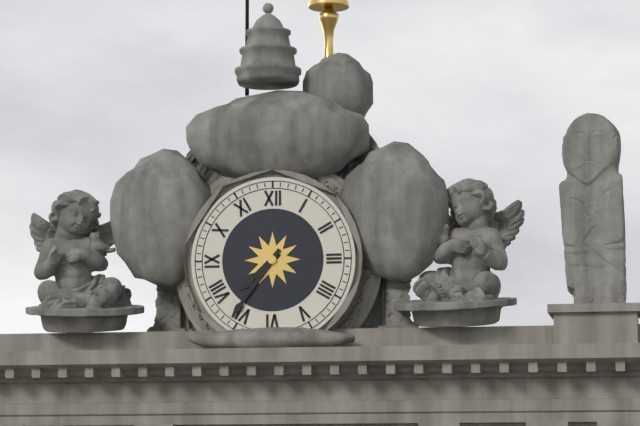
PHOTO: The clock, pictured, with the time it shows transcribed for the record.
7:36
